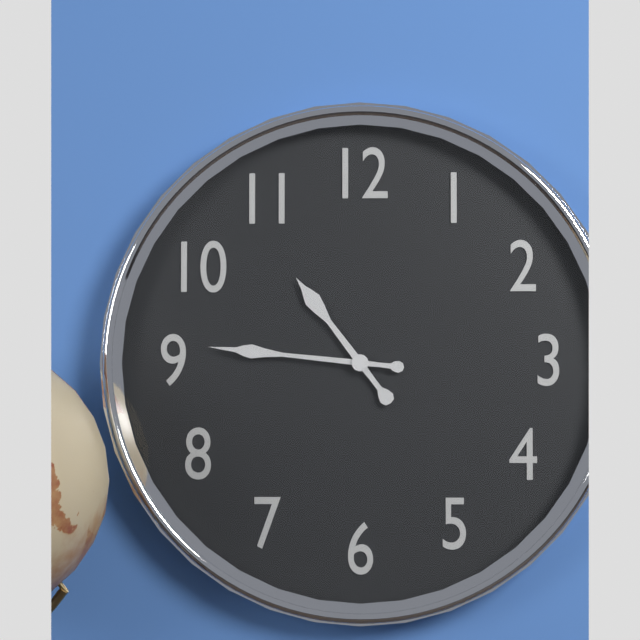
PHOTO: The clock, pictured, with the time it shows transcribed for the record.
10:46
